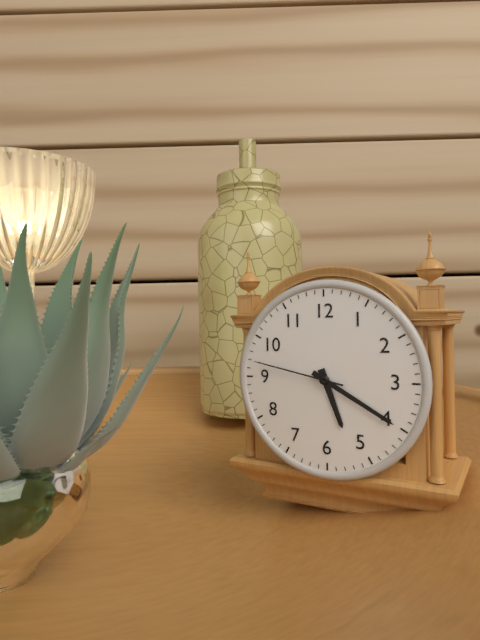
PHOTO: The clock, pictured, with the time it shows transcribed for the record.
5:20:47
